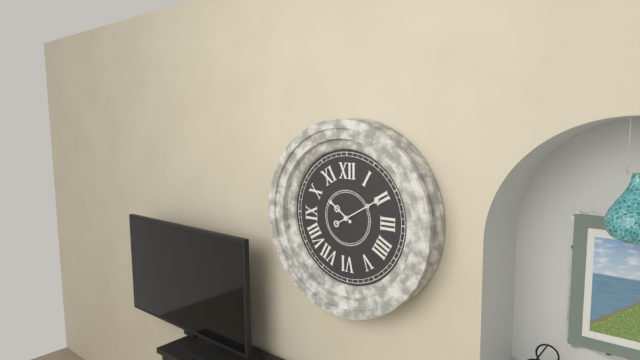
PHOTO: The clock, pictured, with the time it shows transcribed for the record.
10:10
